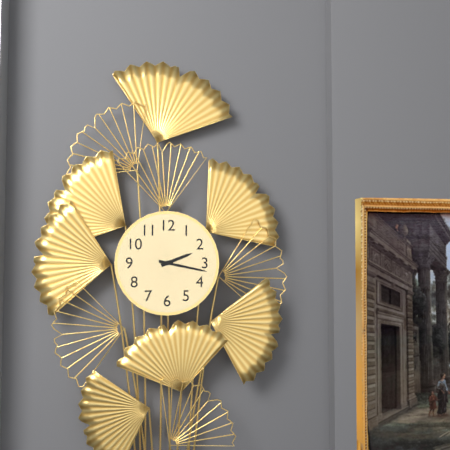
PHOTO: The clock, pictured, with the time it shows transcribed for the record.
2:17
